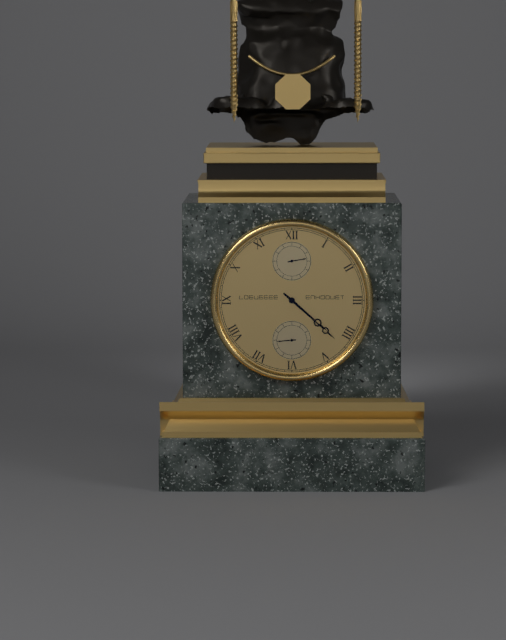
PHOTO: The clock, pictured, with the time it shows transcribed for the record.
4:22
